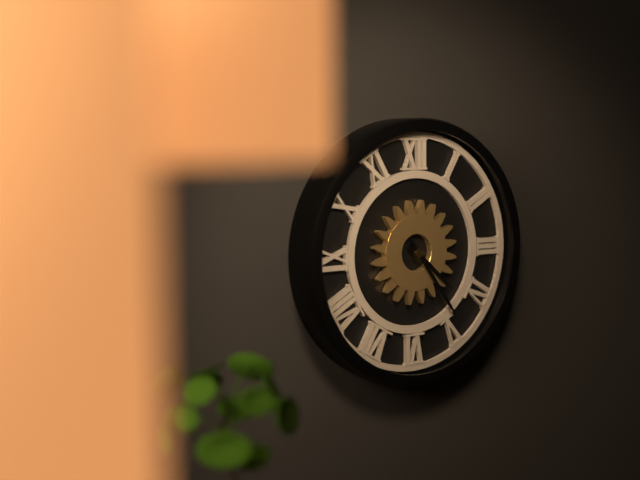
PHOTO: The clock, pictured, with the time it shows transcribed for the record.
4:24
